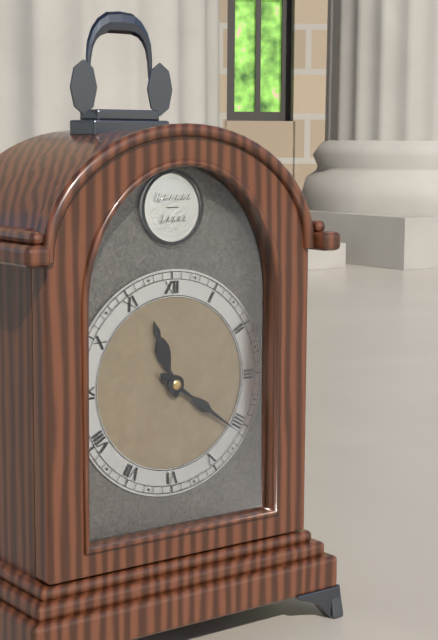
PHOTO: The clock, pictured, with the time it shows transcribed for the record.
11:21
